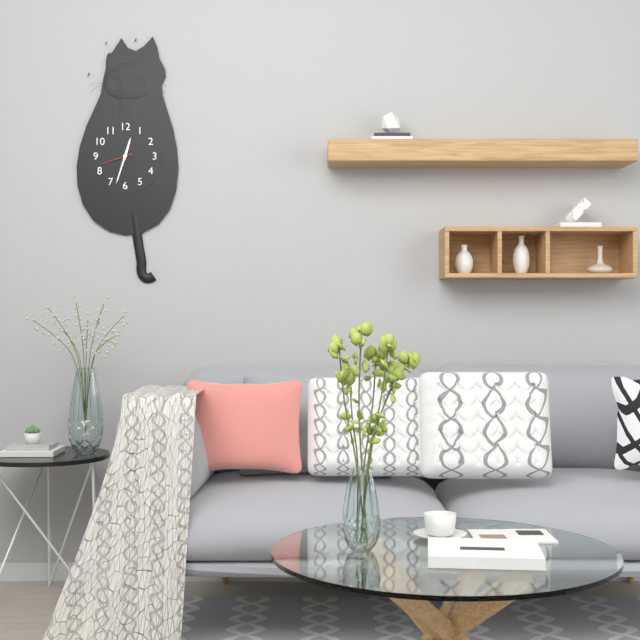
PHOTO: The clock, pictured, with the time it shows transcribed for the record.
12:33
